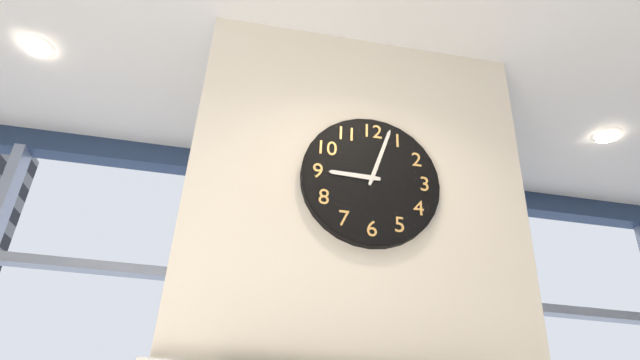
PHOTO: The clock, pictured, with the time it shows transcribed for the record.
9:03
